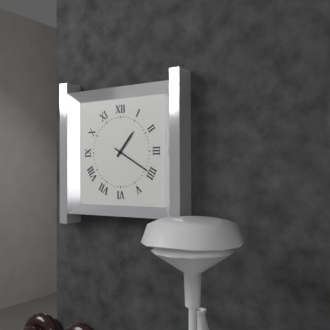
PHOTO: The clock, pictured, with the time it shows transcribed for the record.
1:20
